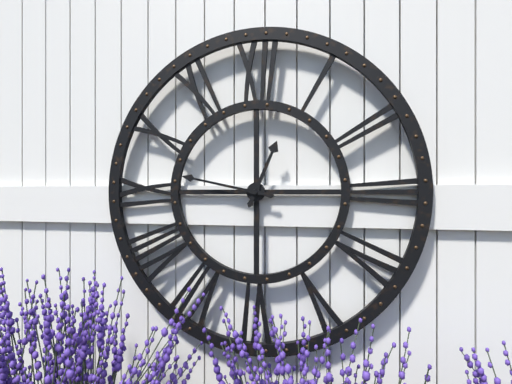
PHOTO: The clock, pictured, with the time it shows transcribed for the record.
12:47
